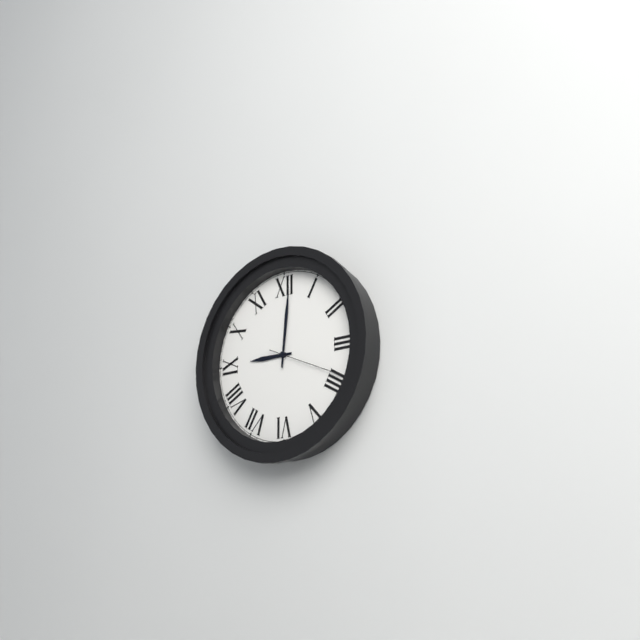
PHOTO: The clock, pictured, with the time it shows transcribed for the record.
9:01:19
